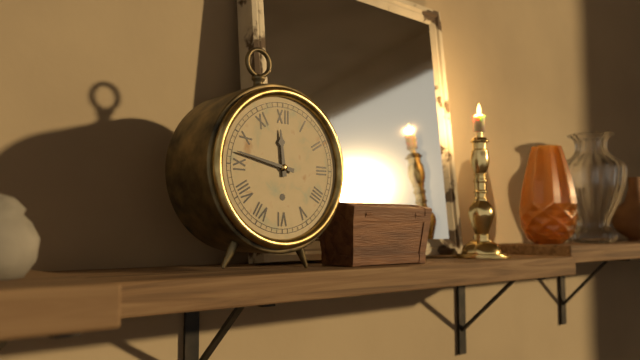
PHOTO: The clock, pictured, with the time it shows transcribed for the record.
11:47
